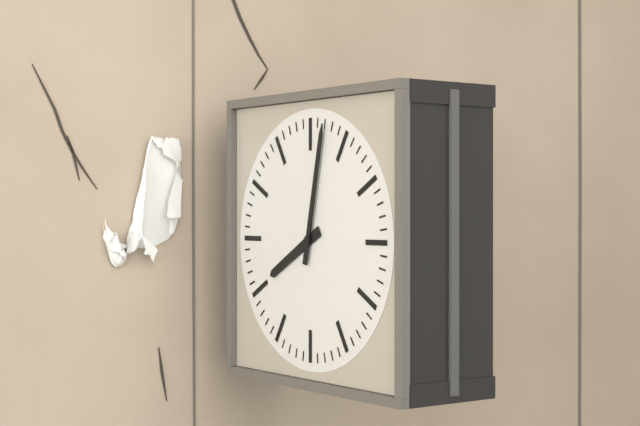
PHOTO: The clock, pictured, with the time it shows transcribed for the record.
8:02
